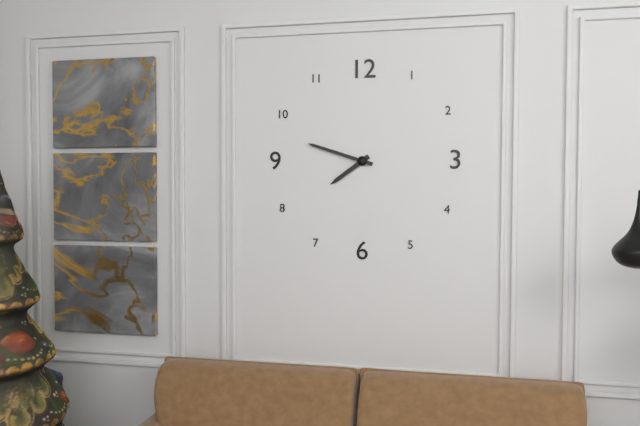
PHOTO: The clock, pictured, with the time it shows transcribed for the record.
7:48
